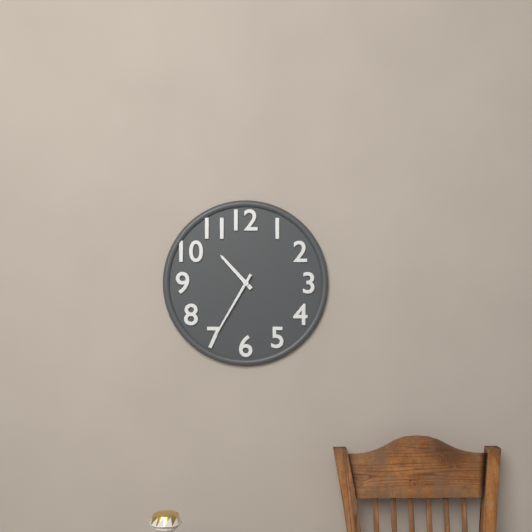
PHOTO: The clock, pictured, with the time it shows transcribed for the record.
10:35
